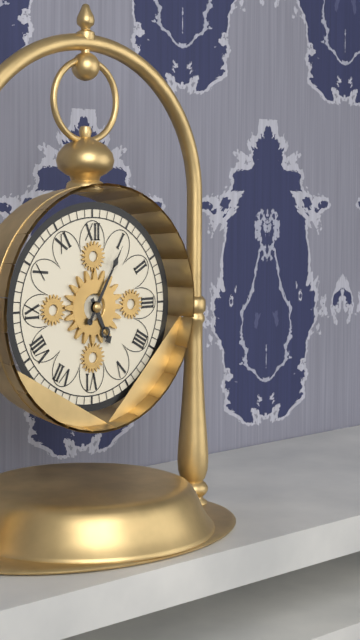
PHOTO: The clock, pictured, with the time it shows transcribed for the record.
5:05
